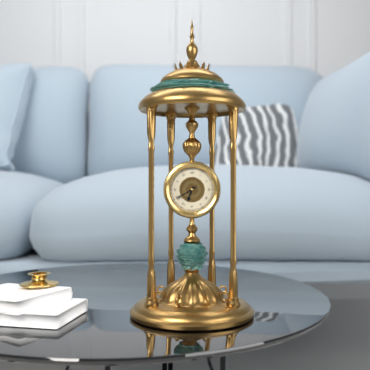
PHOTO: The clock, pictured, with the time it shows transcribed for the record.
6:40
